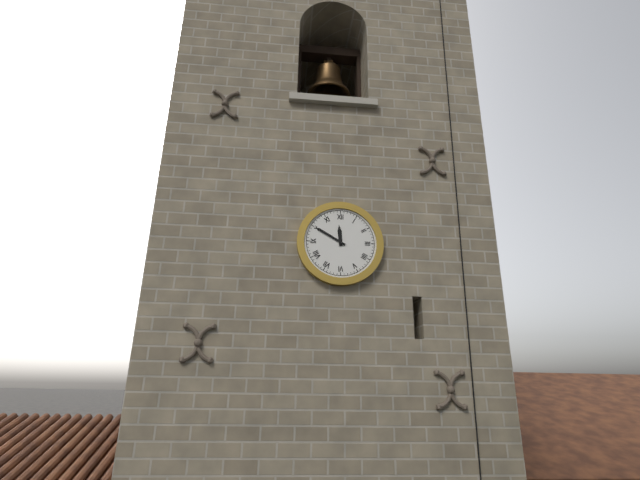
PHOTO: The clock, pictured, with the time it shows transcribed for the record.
11:50
